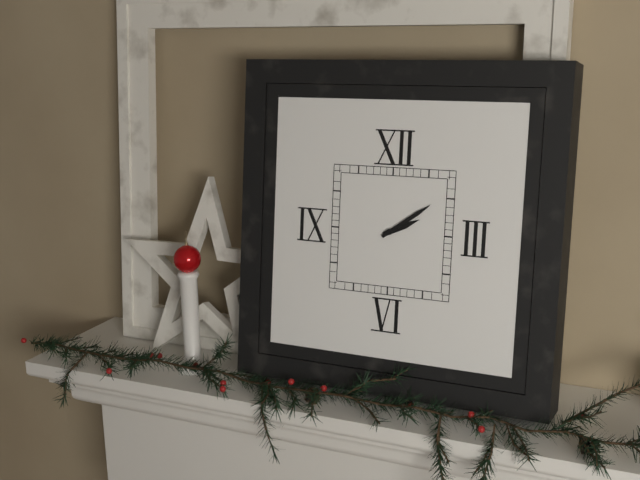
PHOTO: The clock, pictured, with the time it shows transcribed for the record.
2:09
